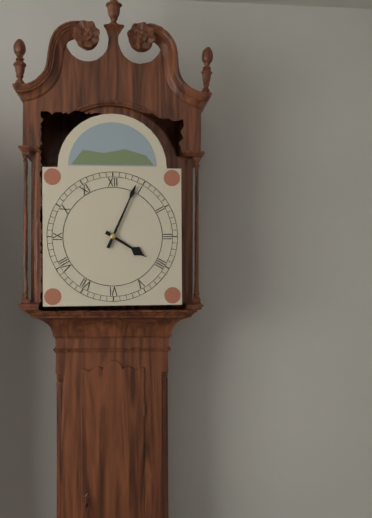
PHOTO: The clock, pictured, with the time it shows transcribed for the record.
4:04
